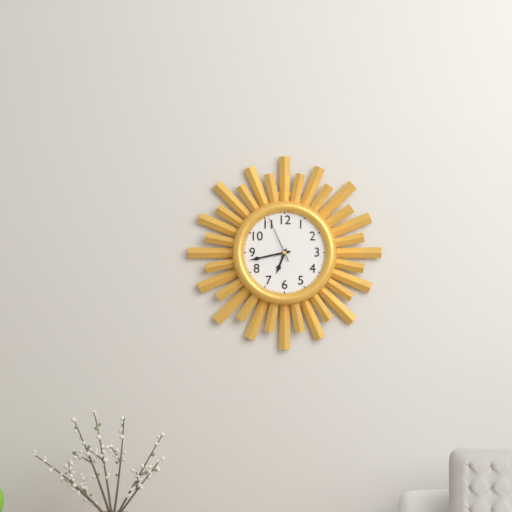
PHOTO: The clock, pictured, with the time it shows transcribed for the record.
6:43
